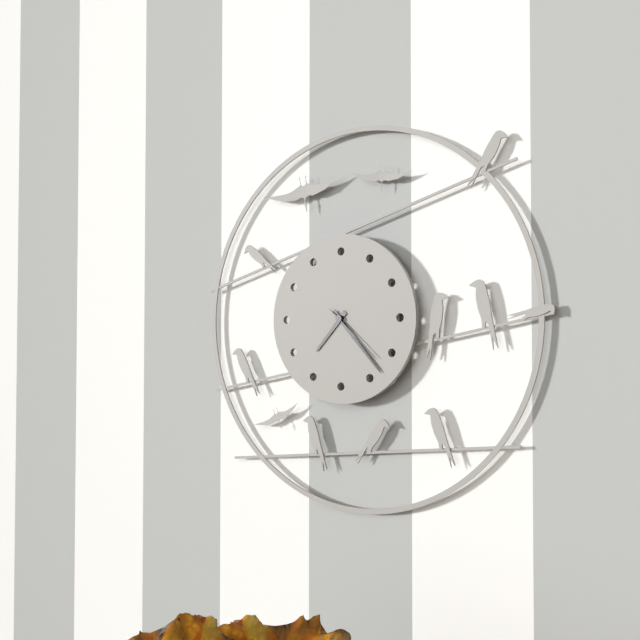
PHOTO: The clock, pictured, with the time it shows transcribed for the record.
7:23:22
